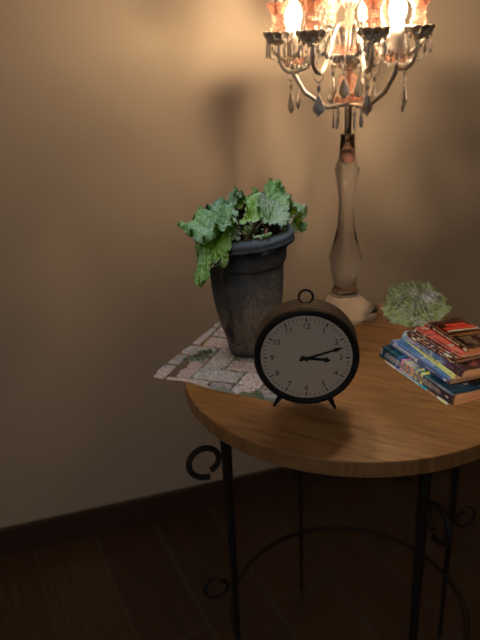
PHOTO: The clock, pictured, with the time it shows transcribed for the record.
3:12
